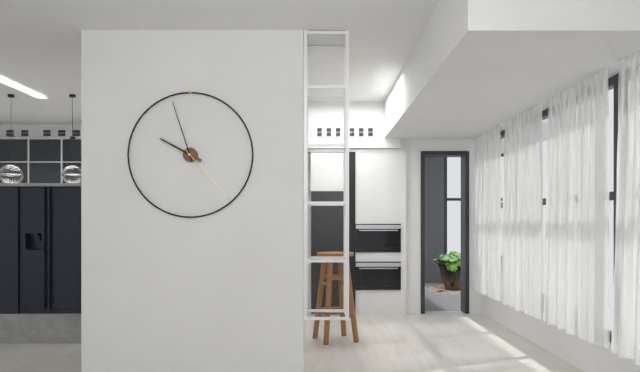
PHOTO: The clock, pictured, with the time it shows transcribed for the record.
9:57:23
